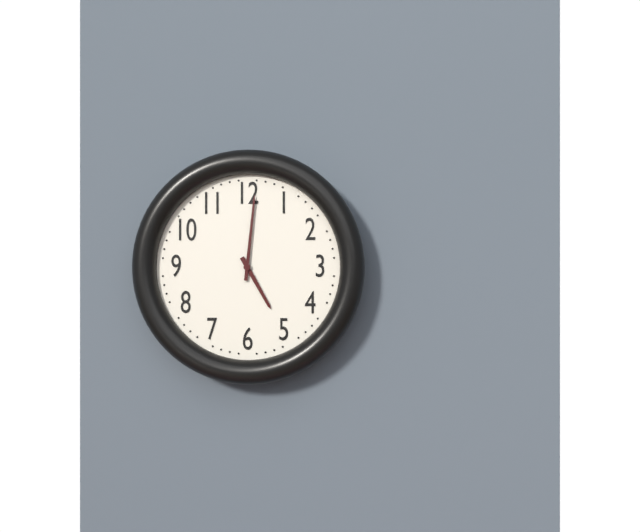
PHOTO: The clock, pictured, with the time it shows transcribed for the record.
5:01
